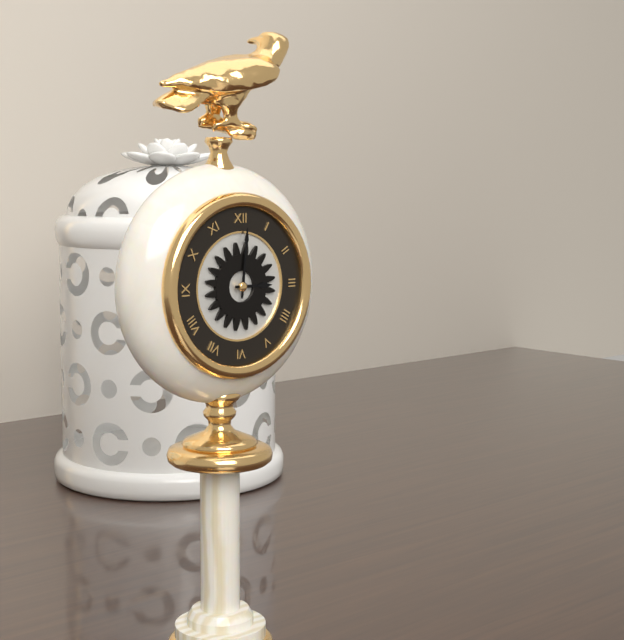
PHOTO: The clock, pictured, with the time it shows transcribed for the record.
3:01
